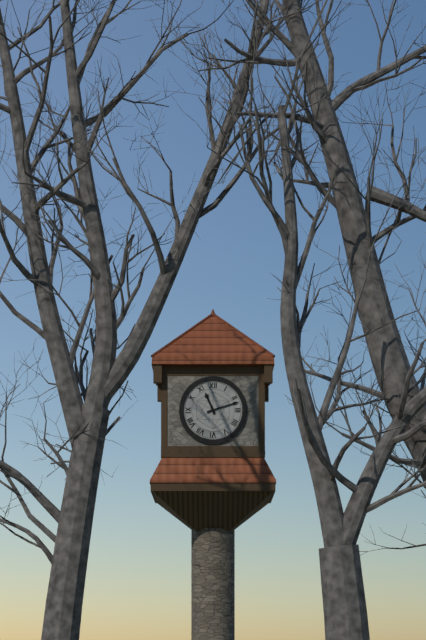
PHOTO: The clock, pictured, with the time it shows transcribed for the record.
11:12
